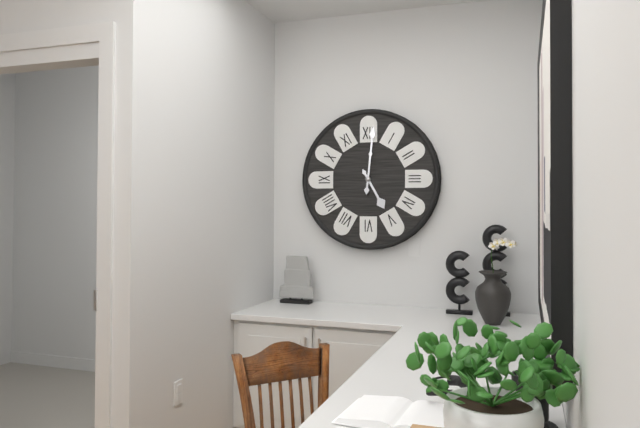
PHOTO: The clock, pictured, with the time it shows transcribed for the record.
5:01
